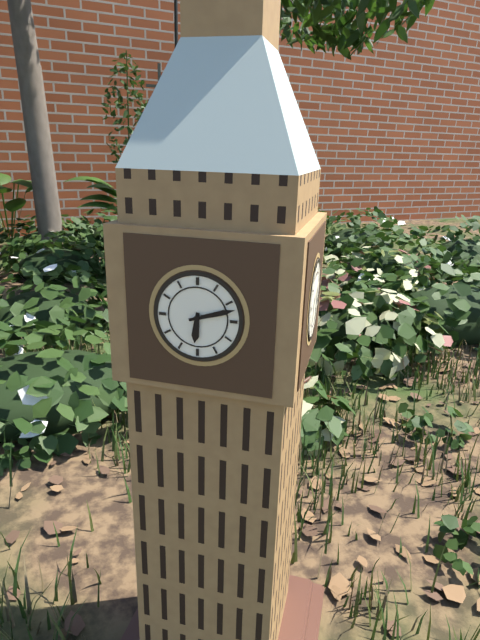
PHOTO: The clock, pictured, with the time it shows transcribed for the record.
6:12
